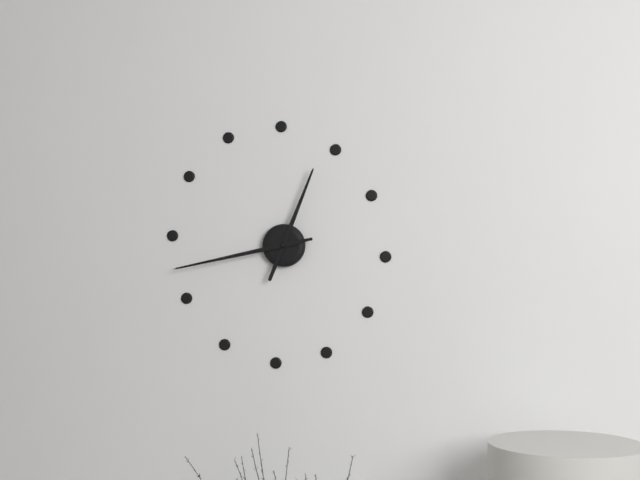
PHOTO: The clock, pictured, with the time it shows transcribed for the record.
12:43
